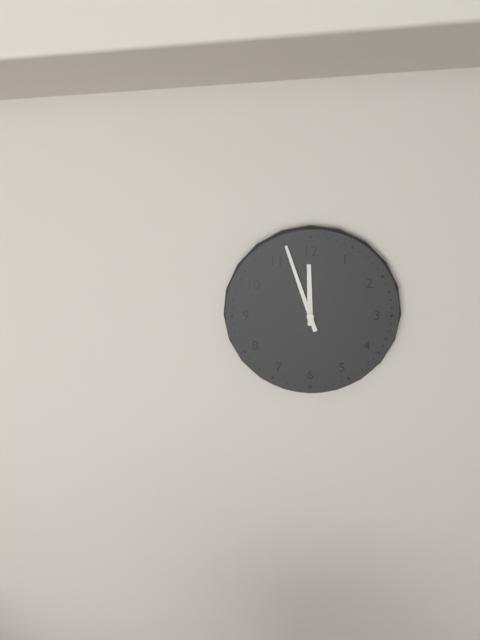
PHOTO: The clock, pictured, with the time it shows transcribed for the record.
11:57
